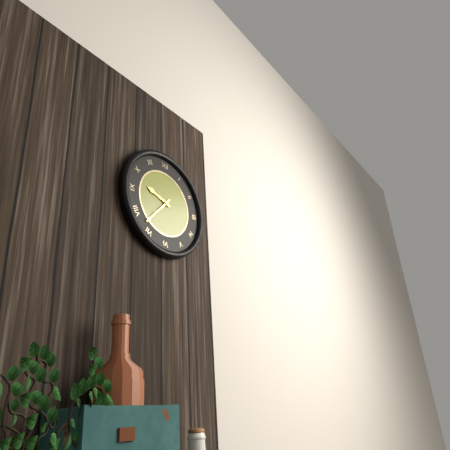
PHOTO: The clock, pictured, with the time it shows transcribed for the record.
9:37
